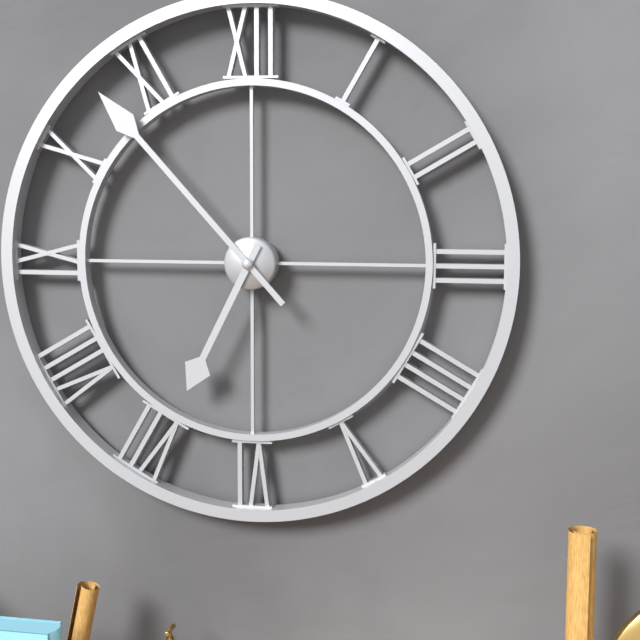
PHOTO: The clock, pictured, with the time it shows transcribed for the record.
6:53
